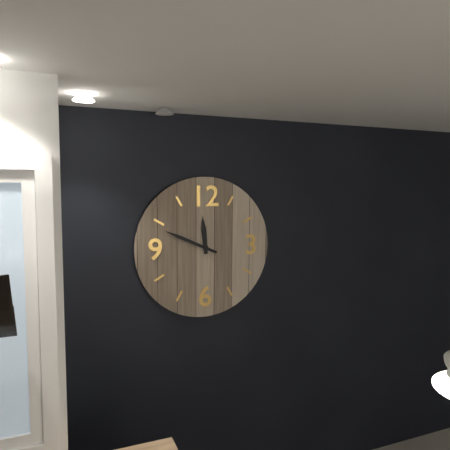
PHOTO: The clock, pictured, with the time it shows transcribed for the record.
11:49
